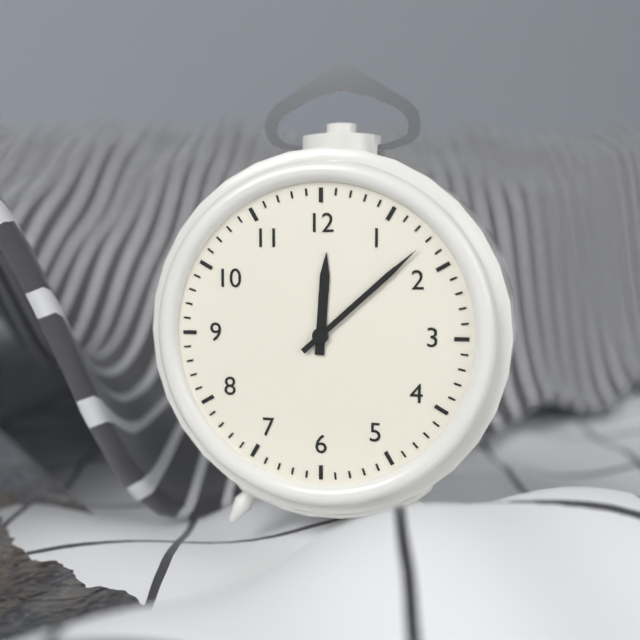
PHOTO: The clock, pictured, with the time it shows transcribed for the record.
12:08
